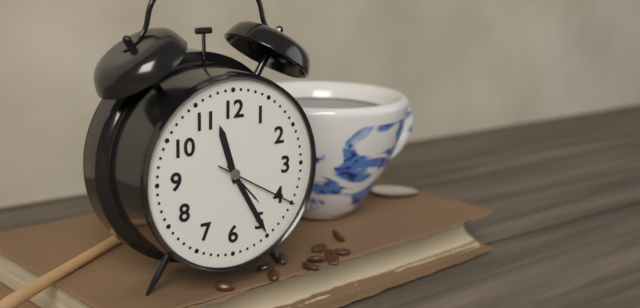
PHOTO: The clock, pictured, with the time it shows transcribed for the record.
11:25:20
